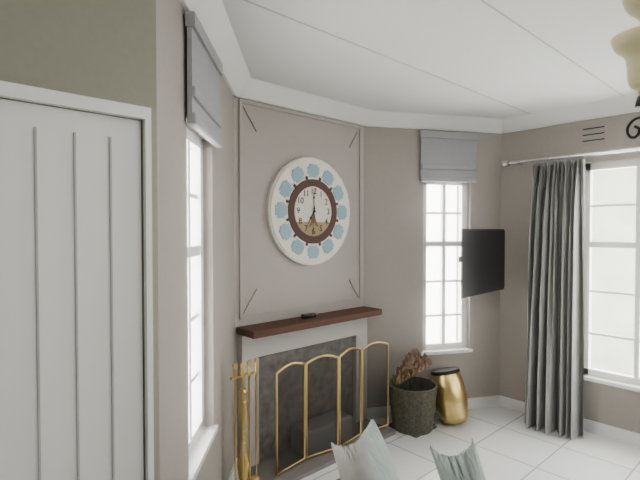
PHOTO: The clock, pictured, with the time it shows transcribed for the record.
7:00
